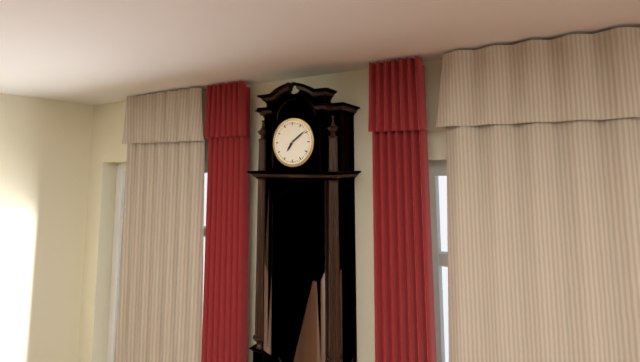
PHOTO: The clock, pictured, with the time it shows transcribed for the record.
7:09
